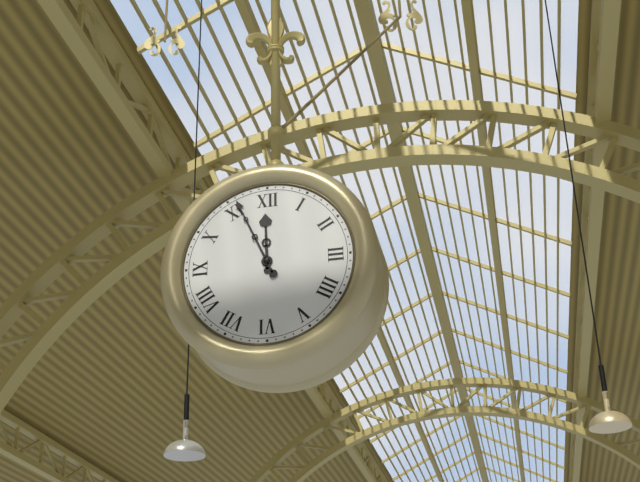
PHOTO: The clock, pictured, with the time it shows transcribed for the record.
11:56
